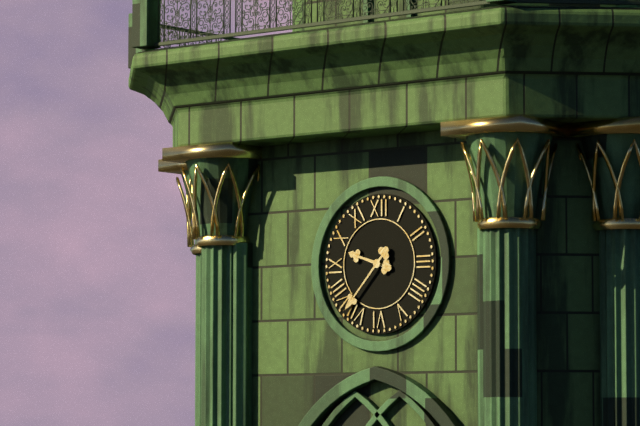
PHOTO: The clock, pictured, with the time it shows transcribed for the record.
9:37
